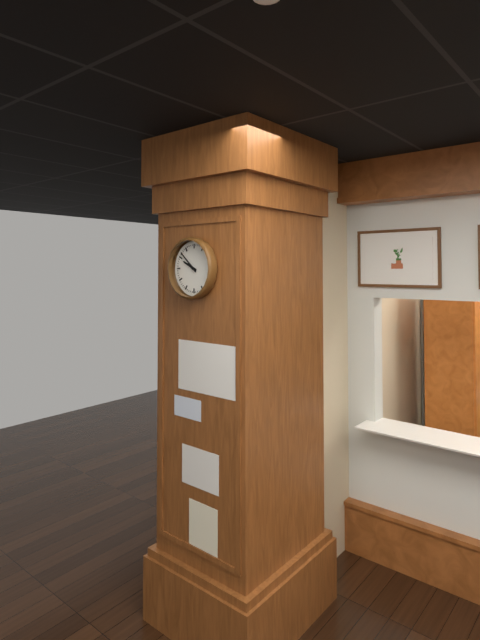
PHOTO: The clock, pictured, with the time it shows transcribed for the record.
9:52
